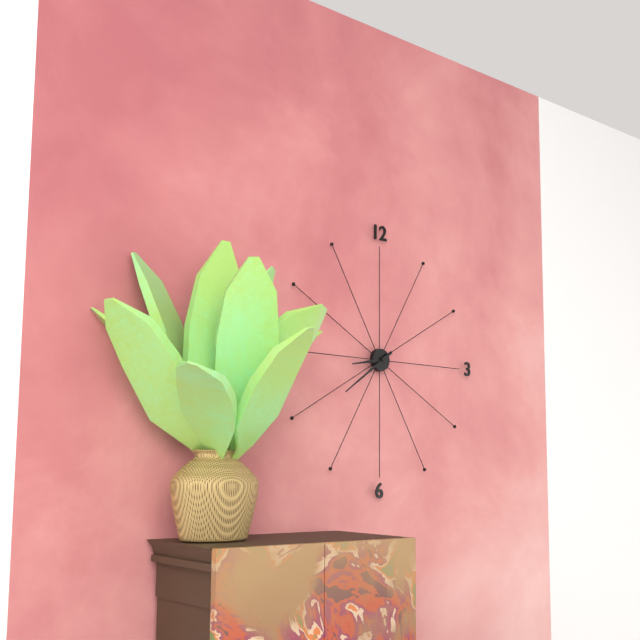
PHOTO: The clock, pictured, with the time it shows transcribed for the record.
8:39
